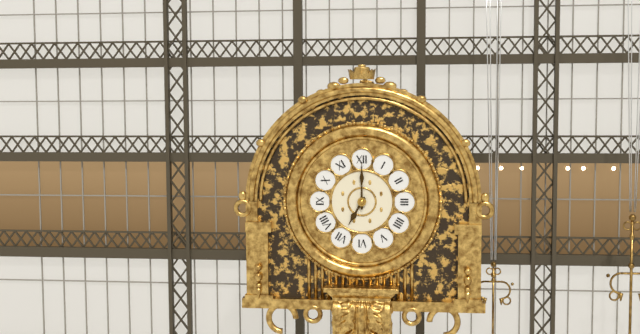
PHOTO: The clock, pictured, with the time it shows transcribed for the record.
7:00
